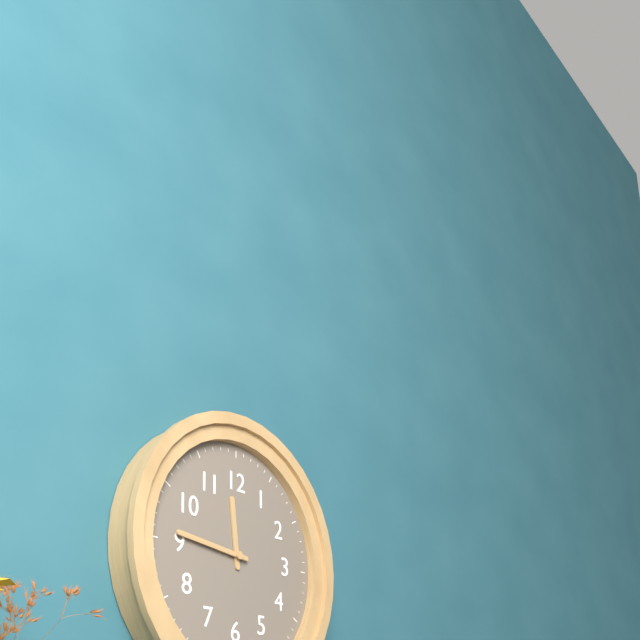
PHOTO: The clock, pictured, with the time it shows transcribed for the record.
11:46
